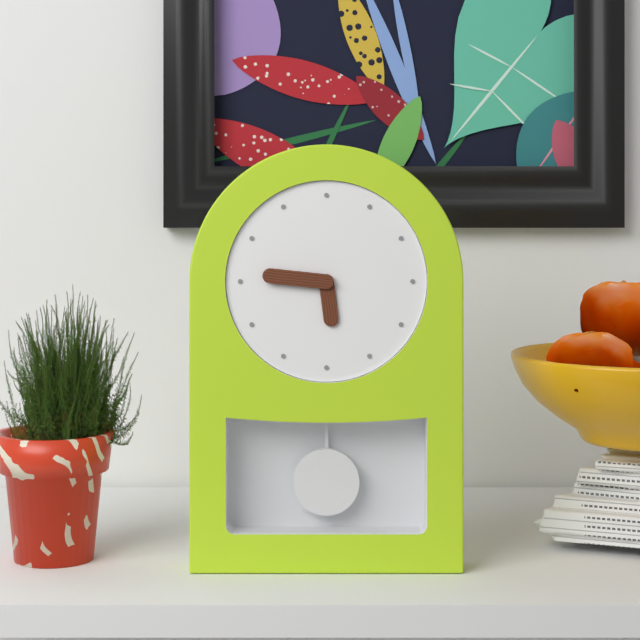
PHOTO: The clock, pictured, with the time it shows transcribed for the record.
5:46
